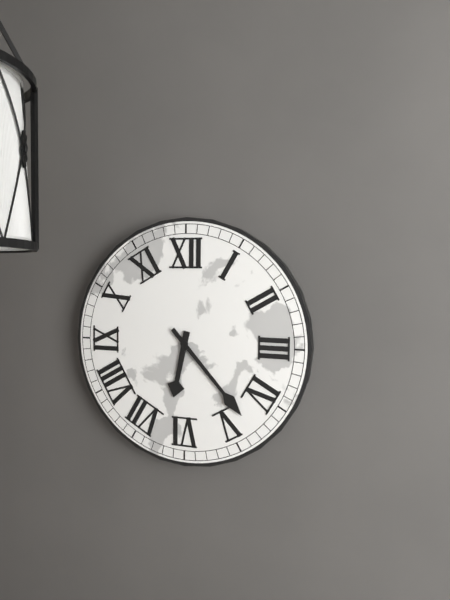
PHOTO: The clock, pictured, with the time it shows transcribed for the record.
6:23
